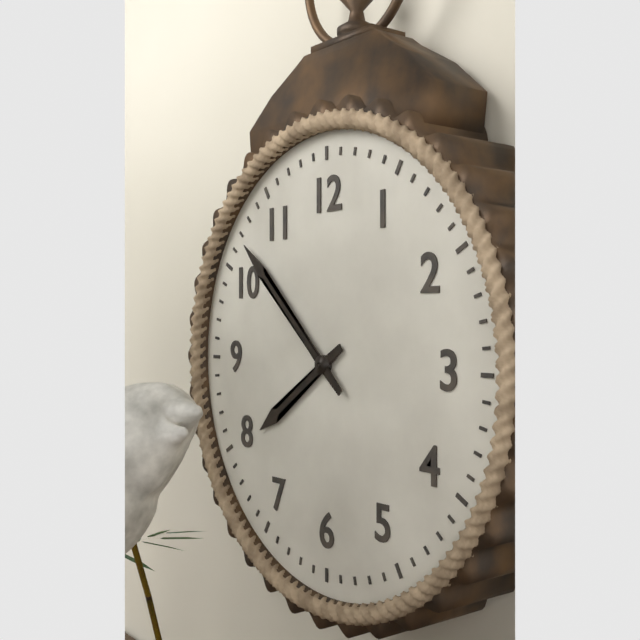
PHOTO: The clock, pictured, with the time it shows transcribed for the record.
7:52
